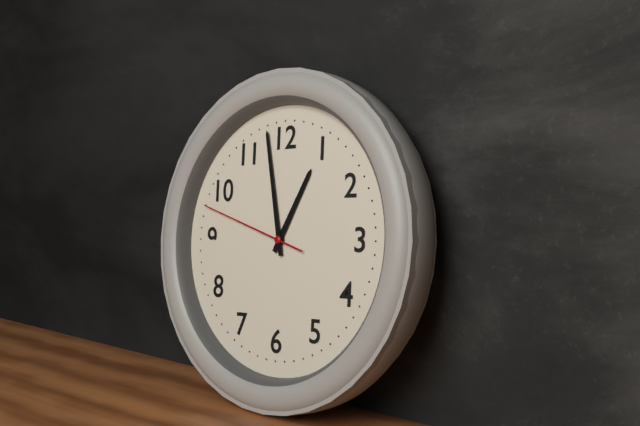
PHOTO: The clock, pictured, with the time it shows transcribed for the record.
12:58:48
